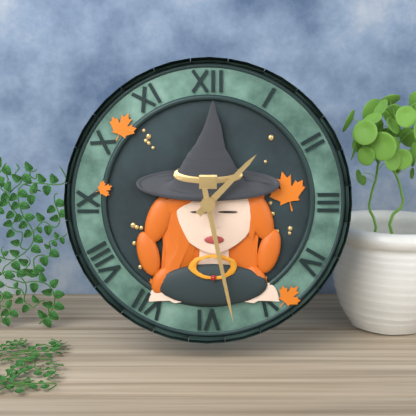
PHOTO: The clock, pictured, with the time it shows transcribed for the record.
1:28
